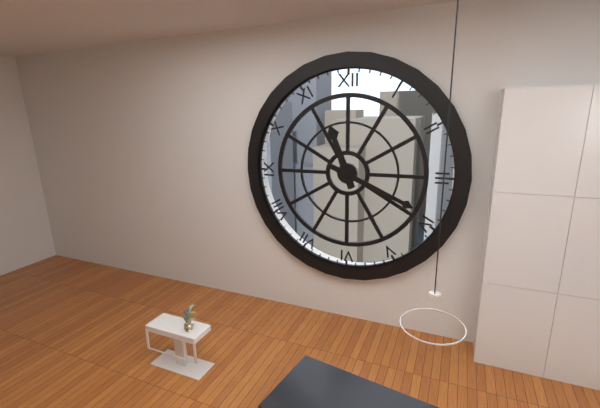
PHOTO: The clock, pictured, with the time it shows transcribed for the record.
11:19
